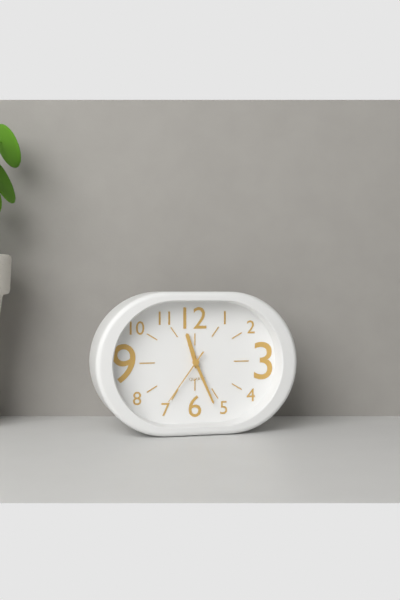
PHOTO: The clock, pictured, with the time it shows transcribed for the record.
11:26:36
